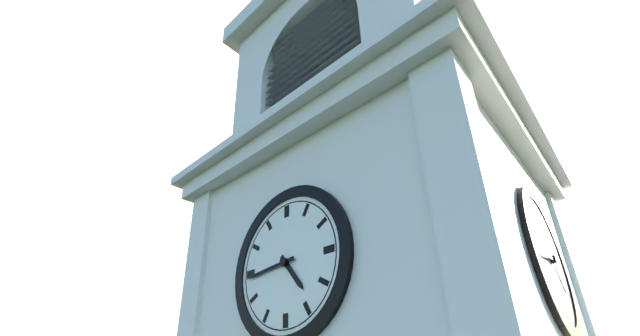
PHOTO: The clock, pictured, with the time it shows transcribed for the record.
4:44
